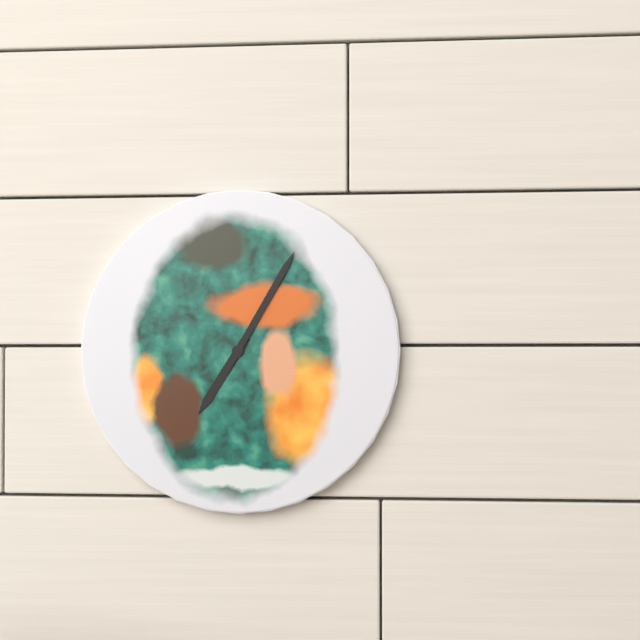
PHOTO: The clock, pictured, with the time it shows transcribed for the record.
7:05
